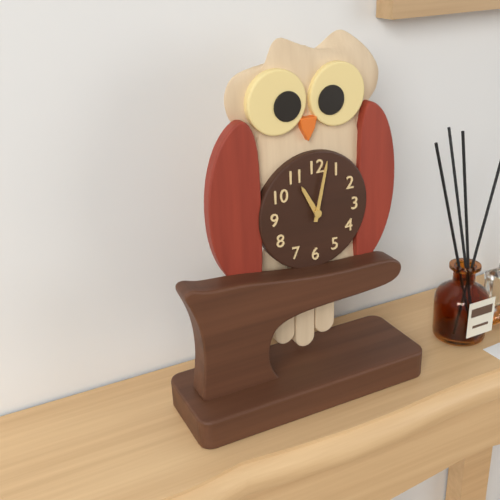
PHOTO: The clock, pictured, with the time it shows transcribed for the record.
11:02
